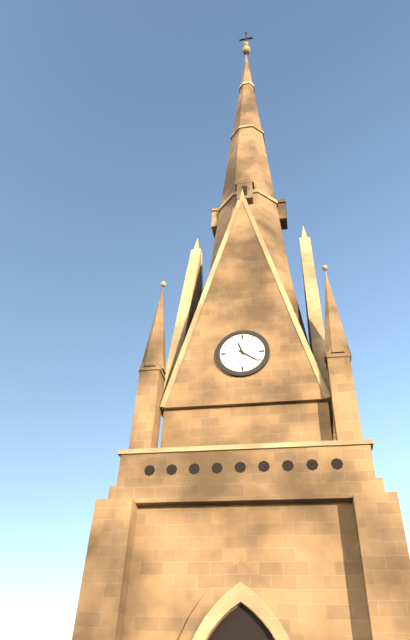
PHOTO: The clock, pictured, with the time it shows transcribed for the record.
11:21
